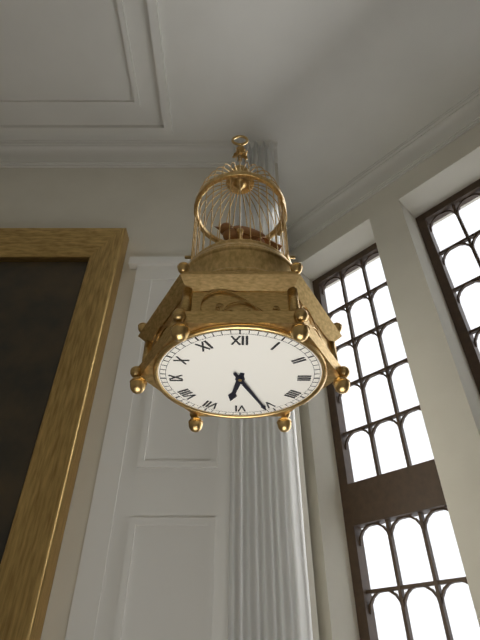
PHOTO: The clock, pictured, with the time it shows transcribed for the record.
6:26
